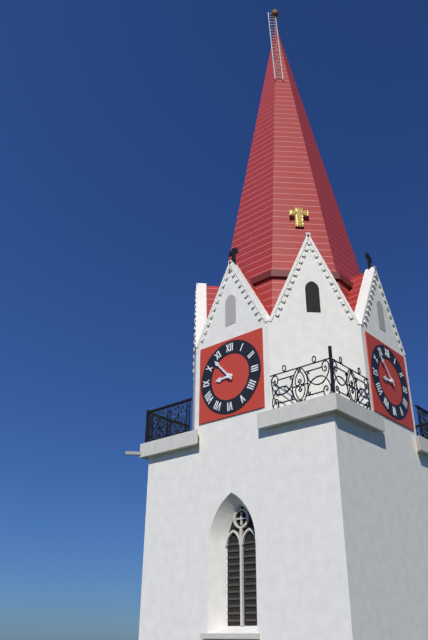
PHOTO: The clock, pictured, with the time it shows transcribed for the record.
8:53
